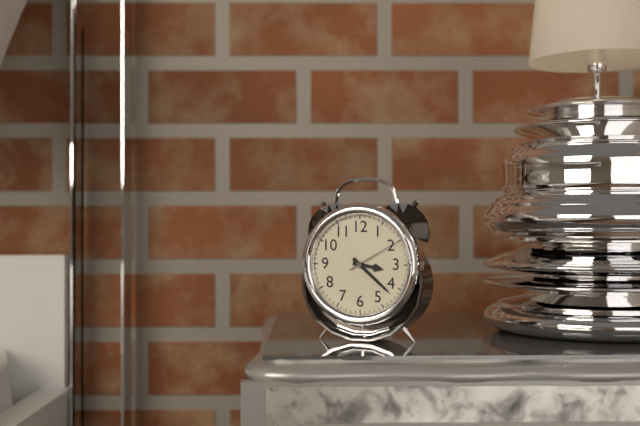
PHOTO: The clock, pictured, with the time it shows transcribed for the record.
3:22:10
